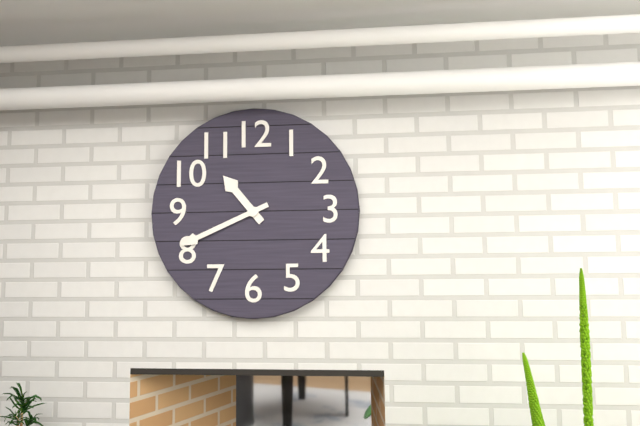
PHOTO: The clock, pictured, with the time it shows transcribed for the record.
10:41
